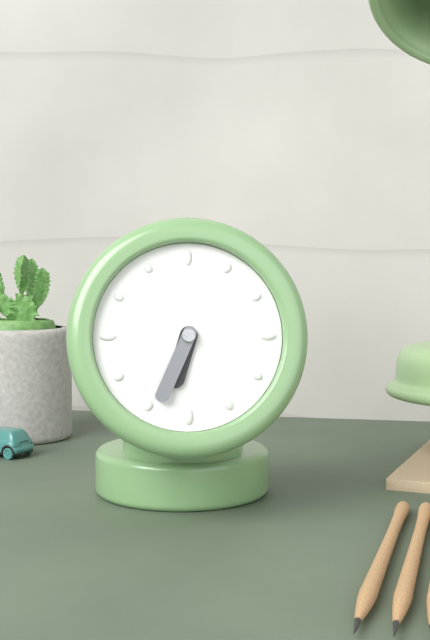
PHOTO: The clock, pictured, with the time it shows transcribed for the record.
6:34
